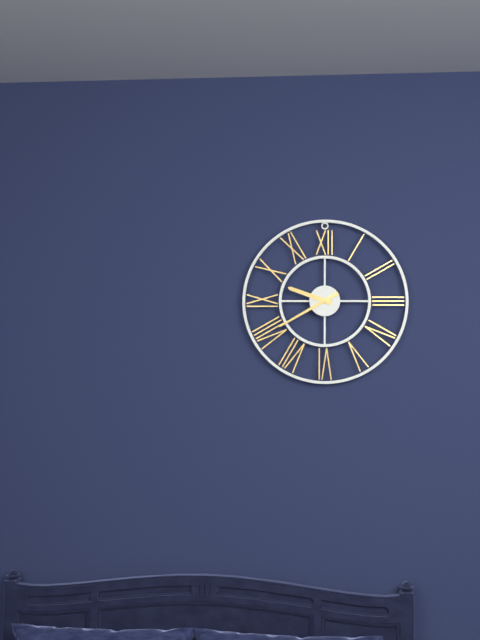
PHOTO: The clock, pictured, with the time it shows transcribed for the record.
9:40
